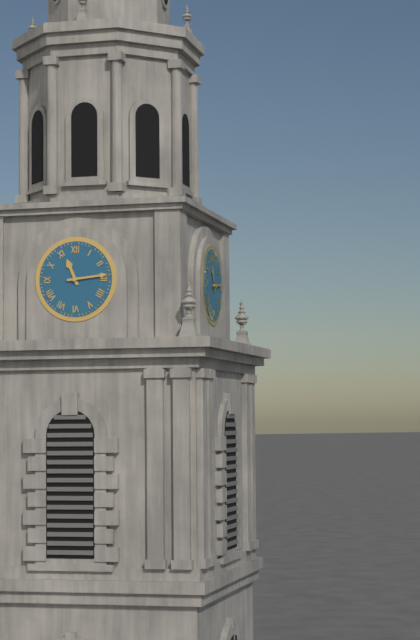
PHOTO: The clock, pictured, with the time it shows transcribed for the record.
11:14
